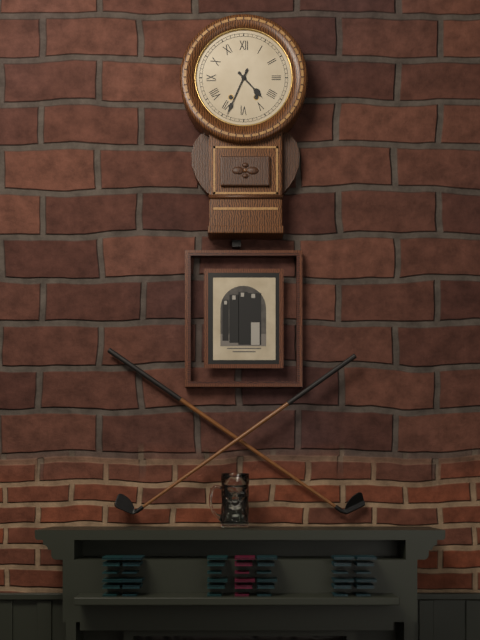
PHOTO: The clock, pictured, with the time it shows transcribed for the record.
4:34
